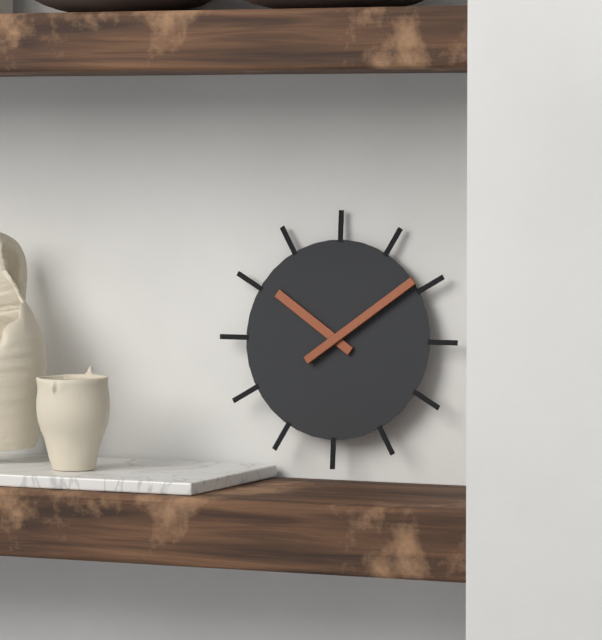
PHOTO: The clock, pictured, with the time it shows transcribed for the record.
10:09
